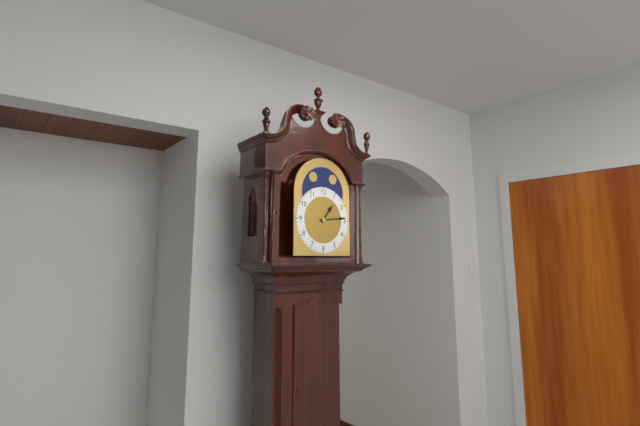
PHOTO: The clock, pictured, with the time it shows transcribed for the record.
1:14
